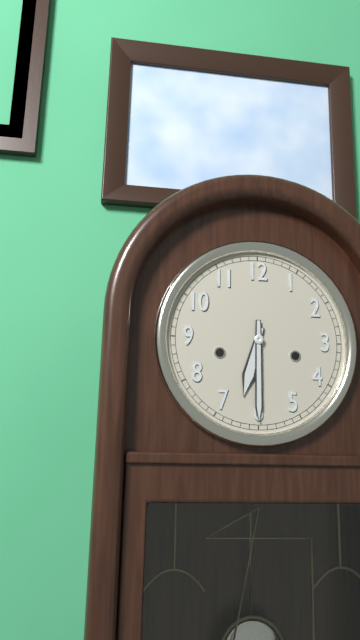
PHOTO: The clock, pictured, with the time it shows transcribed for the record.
6:30
